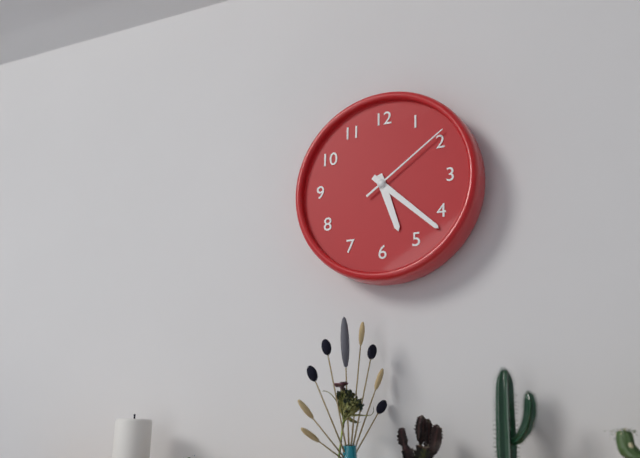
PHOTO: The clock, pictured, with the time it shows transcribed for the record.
5:22:09
